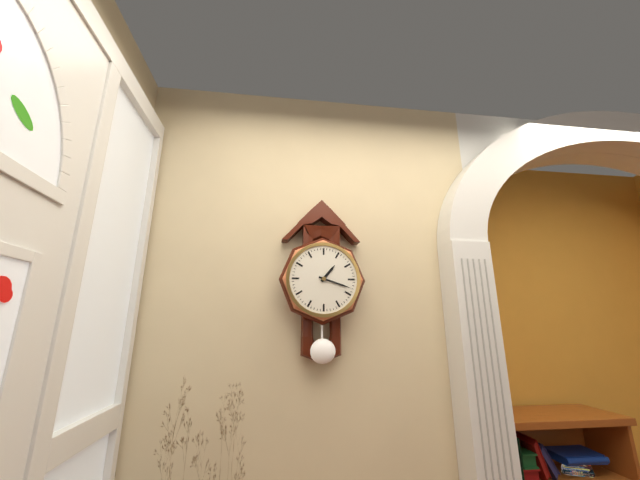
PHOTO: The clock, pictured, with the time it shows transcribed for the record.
1:18
